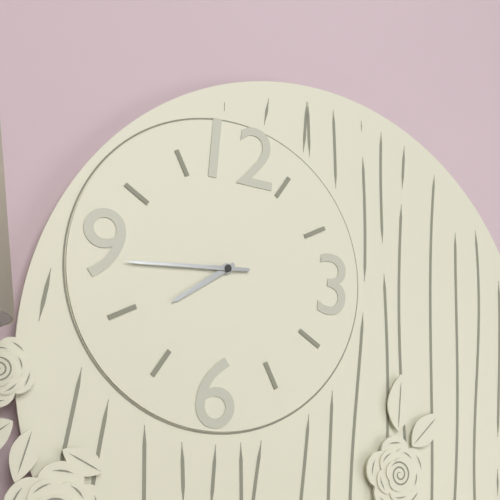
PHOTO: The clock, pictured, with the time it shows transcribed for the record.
7:44
